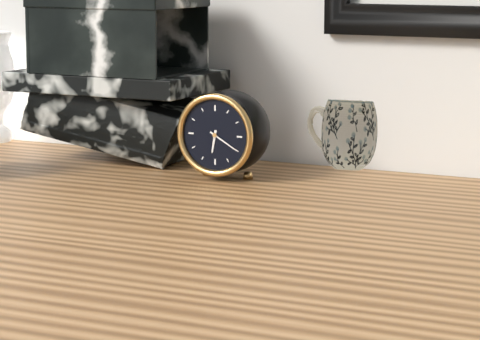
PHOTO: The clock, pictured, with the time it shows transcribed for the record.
6:20
